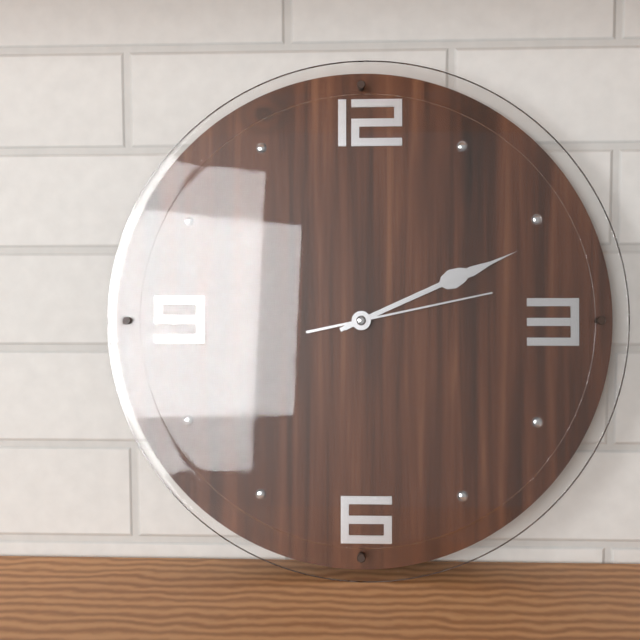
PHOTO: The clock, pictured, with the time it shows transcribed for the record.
2:11:13
